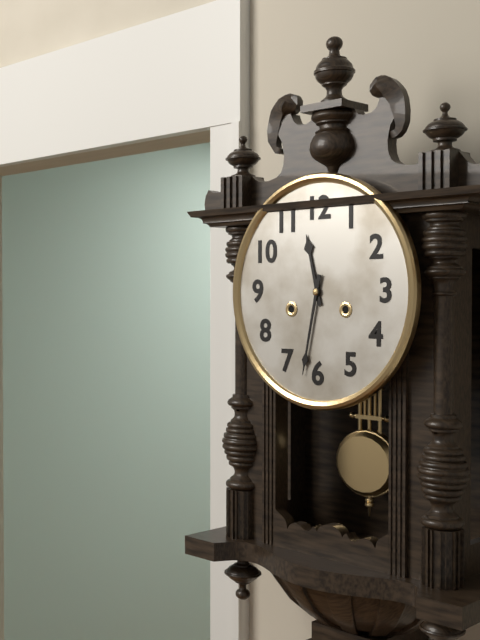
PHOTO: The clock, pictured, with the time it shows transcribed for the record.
11:32
